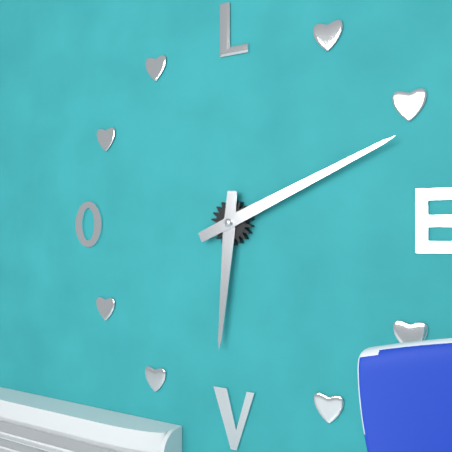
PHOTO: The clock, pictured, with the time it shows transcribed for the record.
6:11
